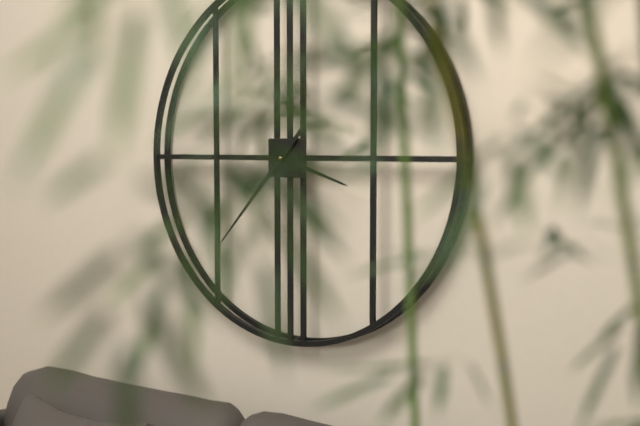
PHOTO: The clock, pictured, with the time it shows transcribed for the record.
3:37
